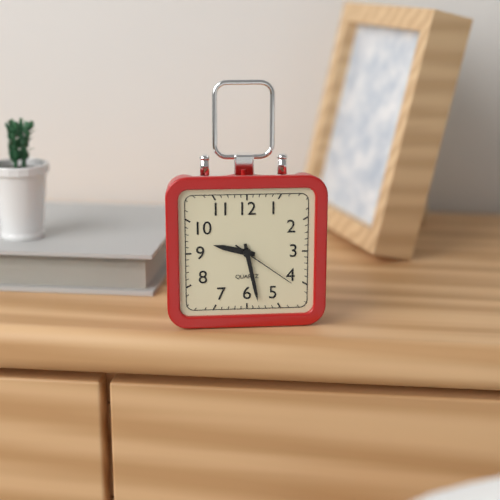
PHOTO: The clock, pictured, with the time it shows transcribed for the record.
9:28:21
